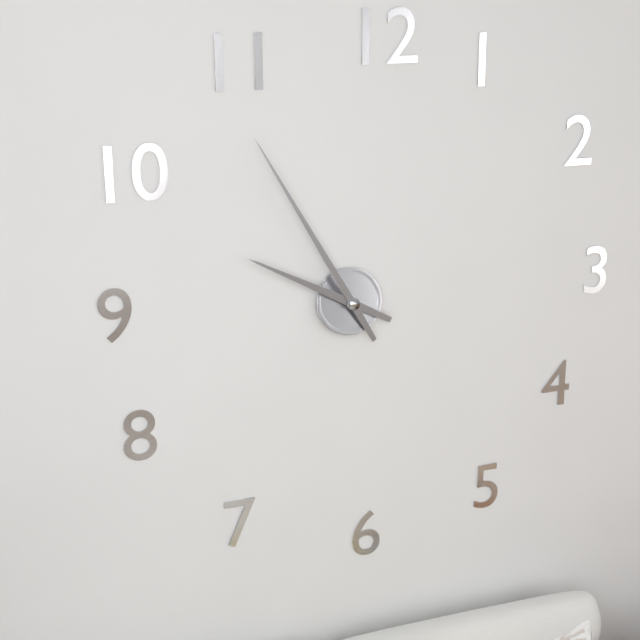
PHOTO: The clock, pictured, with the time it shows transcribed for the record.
9:55
